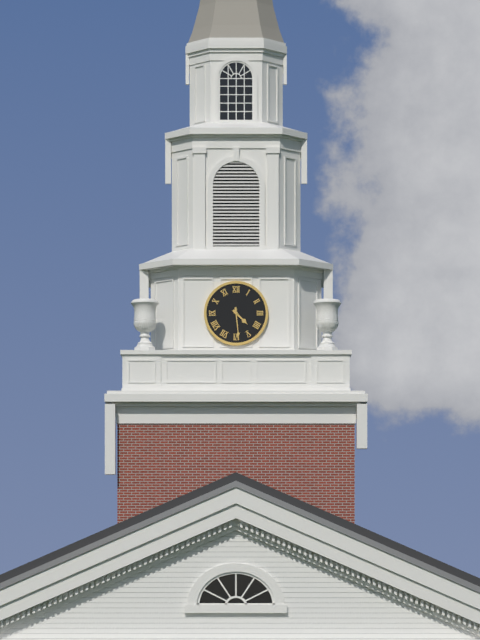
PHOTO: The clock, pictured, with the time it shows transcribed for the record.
4:29
